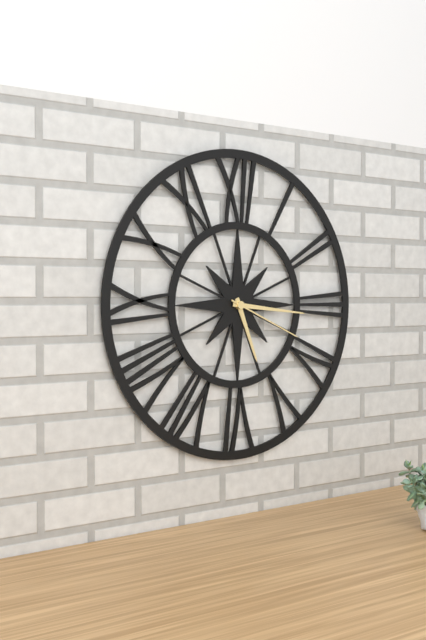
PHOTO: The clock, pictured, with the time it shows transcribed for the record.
5:16:19
